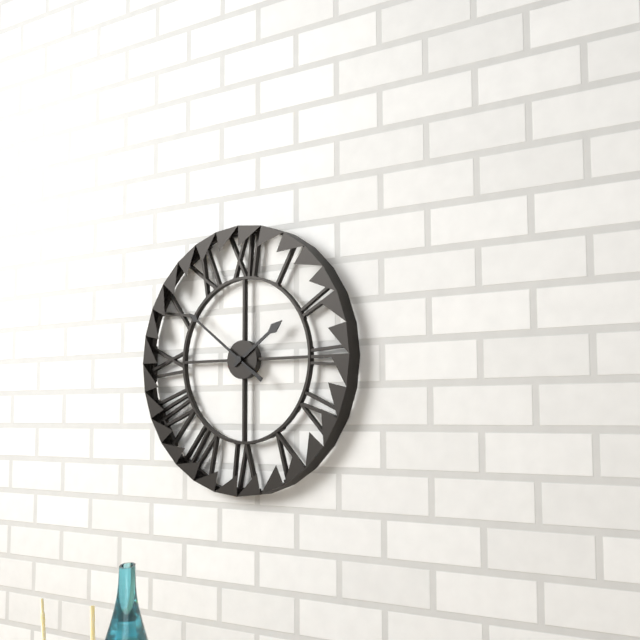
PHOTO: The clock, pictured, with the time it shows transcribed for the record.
1:51
